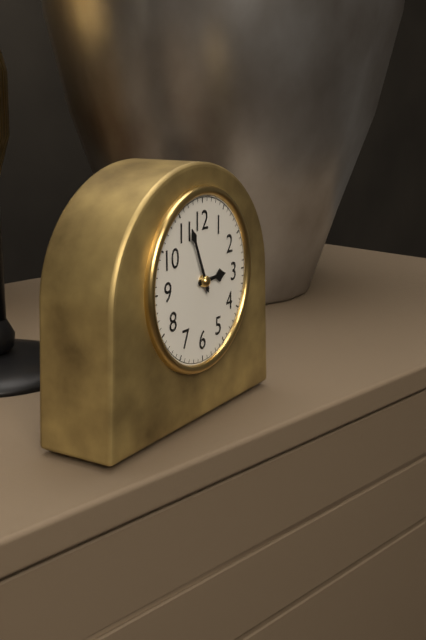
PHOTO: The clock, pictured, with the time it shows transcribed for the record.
2:56
